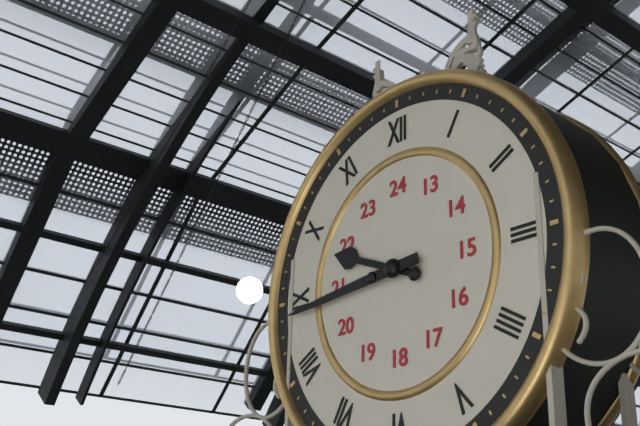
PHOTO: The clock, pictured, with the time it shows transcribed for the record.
9:44
